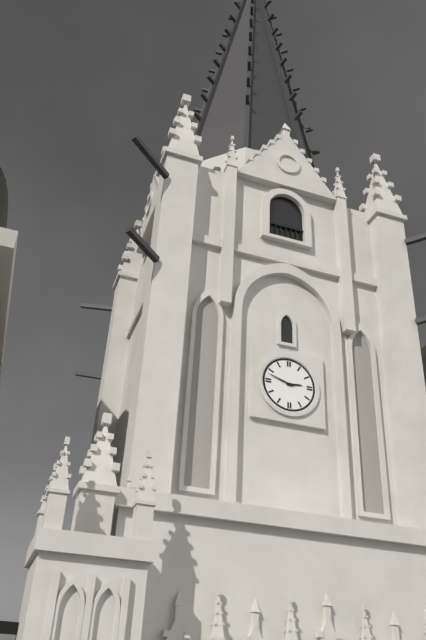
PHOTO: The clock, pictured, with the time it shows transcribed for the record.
2:48
